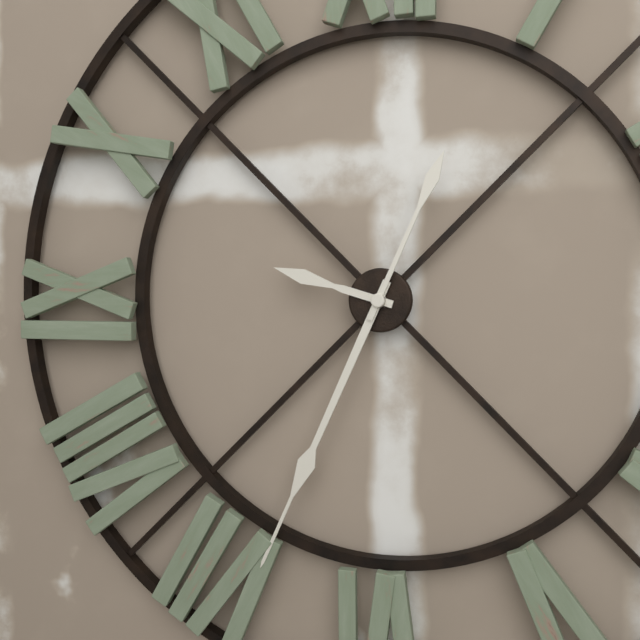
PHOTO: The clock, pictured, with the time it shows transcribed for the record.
9:34:04
